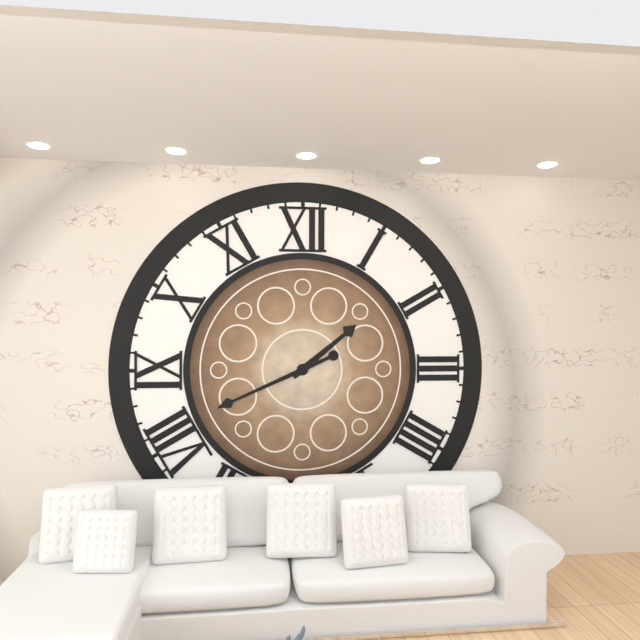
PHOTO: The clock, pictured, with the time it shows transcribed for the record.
1:41
